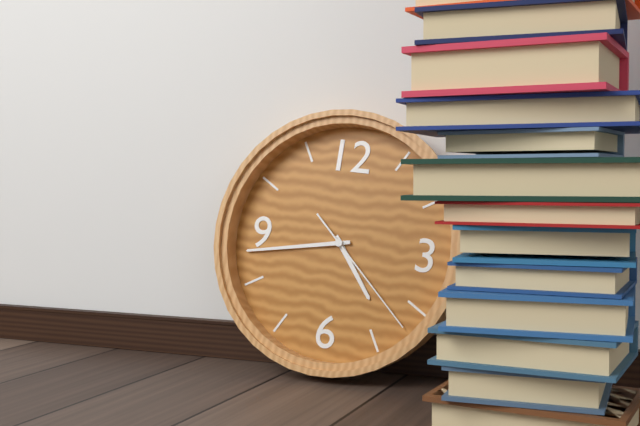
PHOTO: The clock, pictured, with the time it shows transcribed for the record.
4:43:22
